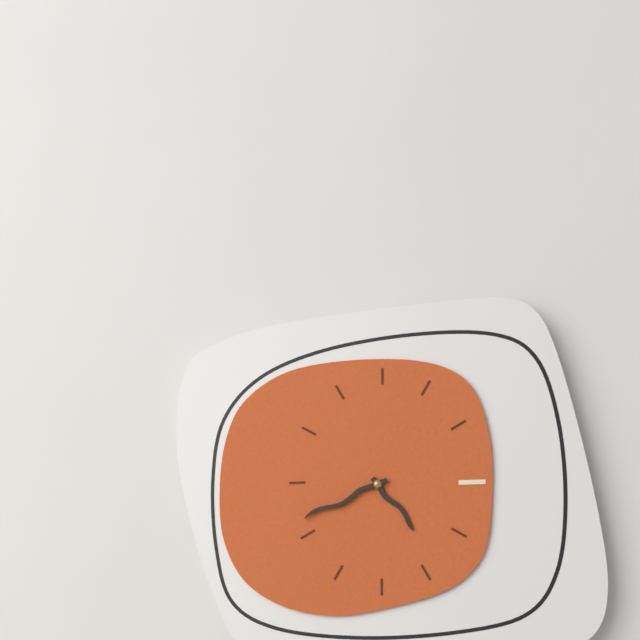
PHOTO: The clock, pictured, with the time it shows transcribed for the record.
4:41
